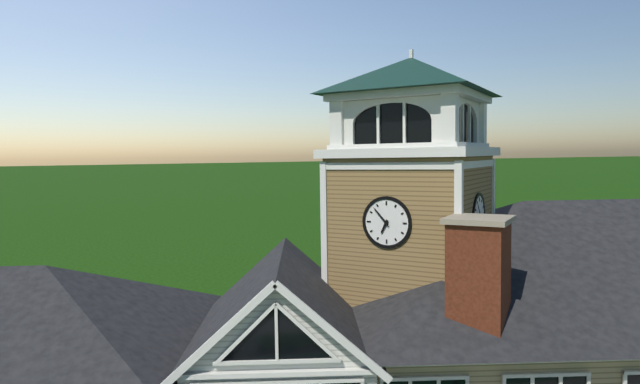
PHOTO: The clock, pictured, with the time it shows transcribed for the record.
6:53
